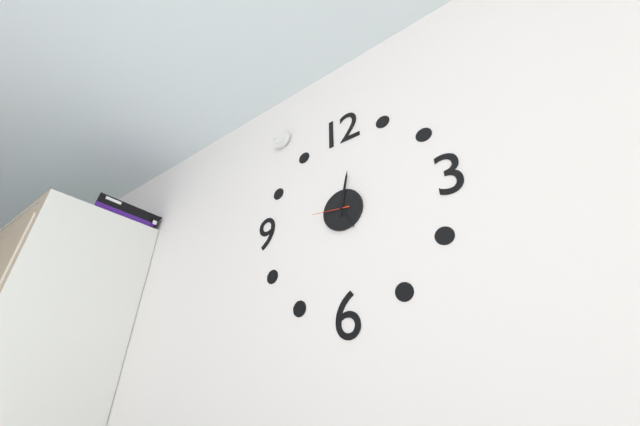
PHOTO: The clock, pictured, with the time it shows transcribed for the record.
5:02
